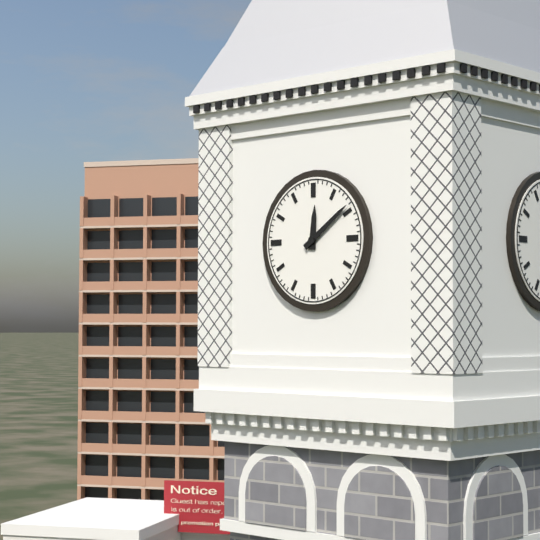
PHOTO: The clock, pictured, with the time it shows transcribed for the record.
12:09
